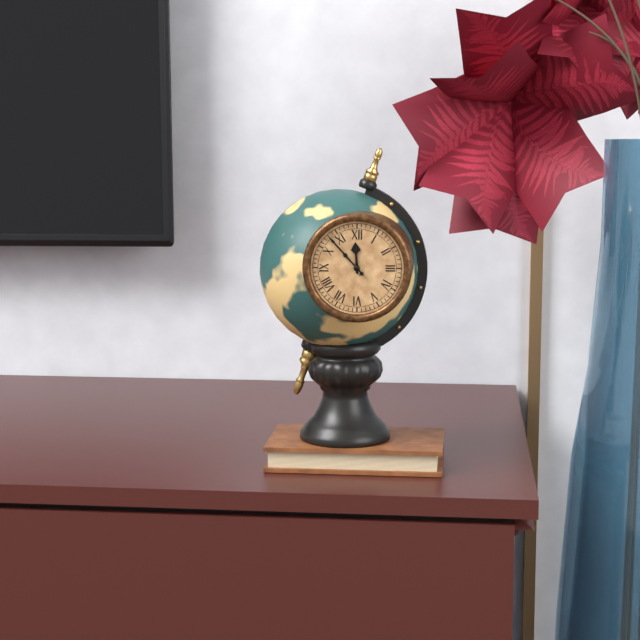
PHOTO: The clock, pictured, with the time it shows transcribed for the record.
11:53
